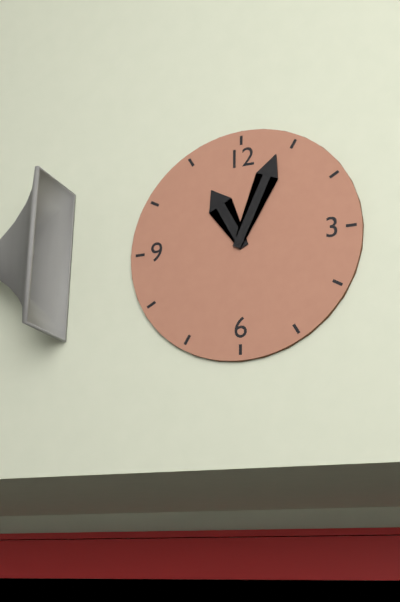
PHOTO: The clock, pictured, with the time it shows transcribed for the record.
11:04
